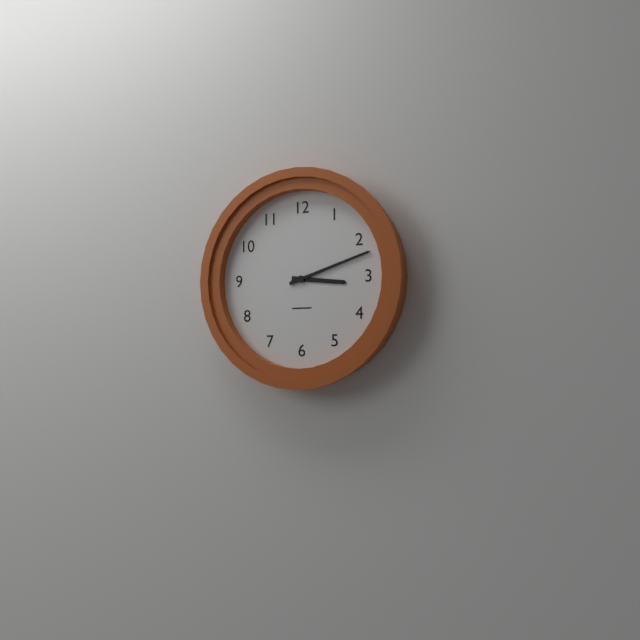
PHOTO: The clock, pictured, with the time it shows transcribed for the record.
3:12
